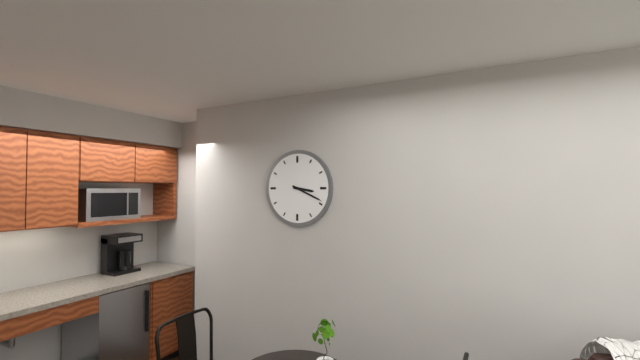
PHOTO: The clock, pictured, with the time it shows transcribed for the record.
3:19
